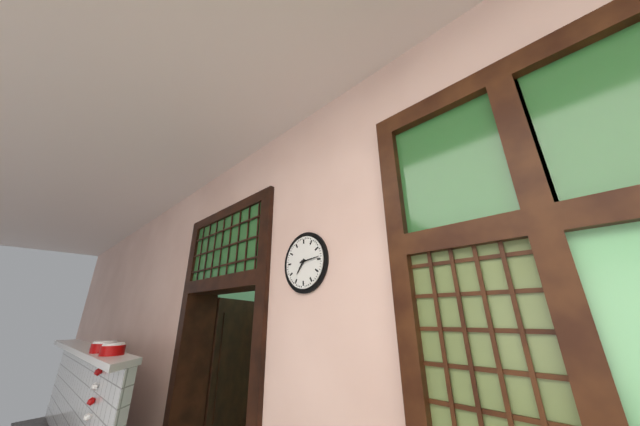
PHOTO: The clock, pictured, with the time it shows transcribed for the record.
7:14
